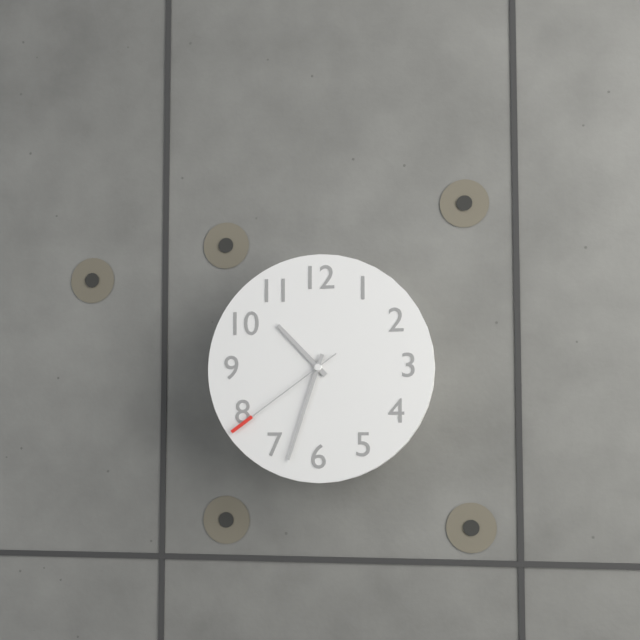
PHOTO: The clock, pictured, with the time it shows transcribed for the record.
10:33:39
